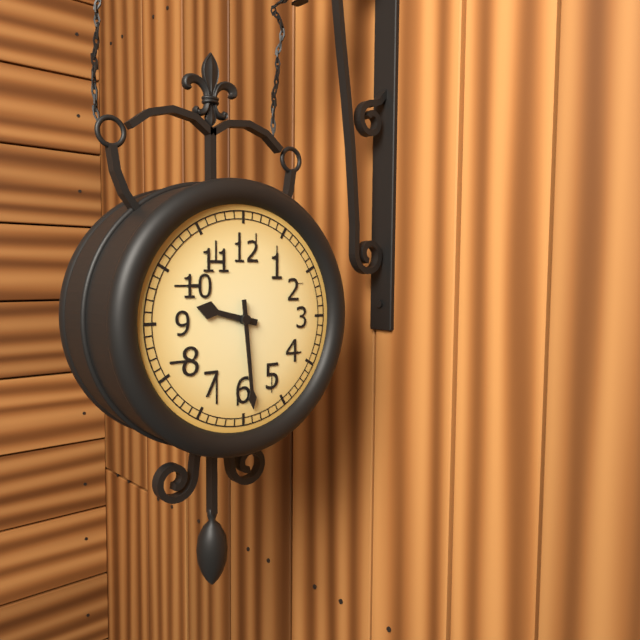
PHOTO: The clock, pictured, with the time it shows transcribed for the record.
9:29
